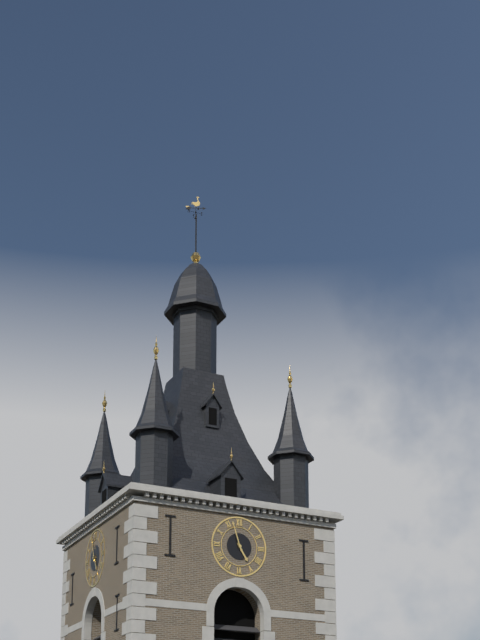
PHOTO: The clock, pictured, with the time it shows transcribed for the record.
4:57
